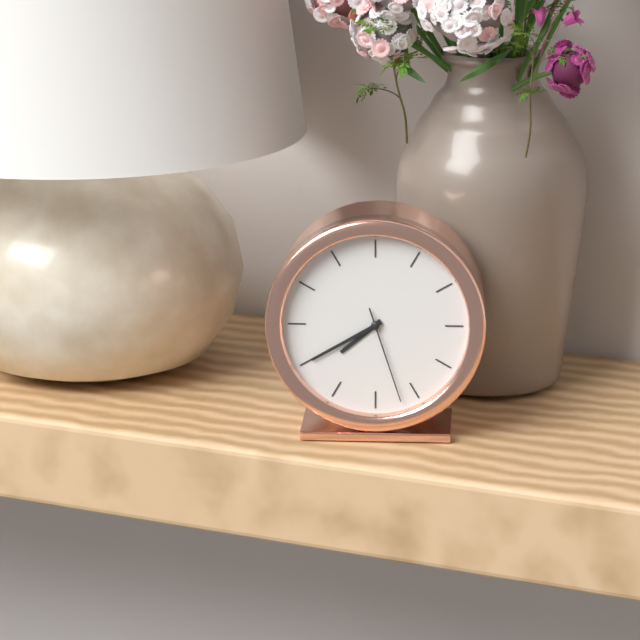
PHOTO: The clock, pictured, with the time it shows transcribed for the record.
7:40:27
